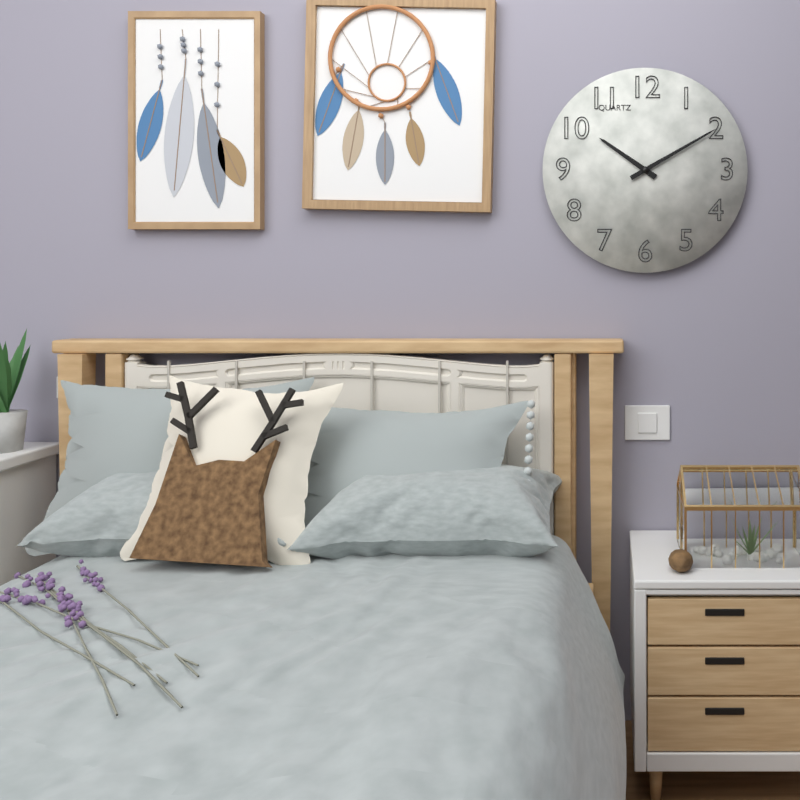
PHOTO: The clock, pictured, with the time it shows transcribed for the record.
10:10
